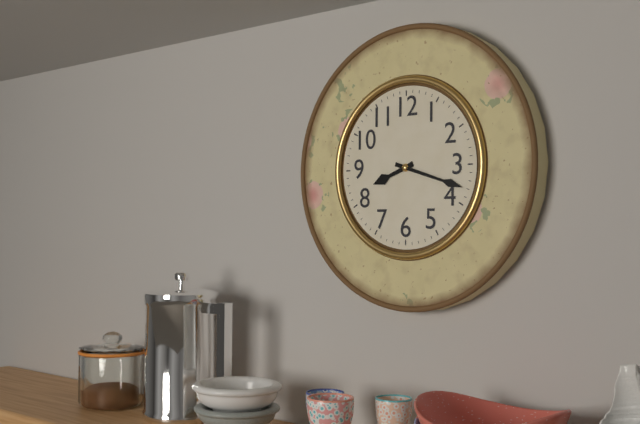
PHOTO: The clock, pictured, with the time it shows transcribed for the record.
8:18
